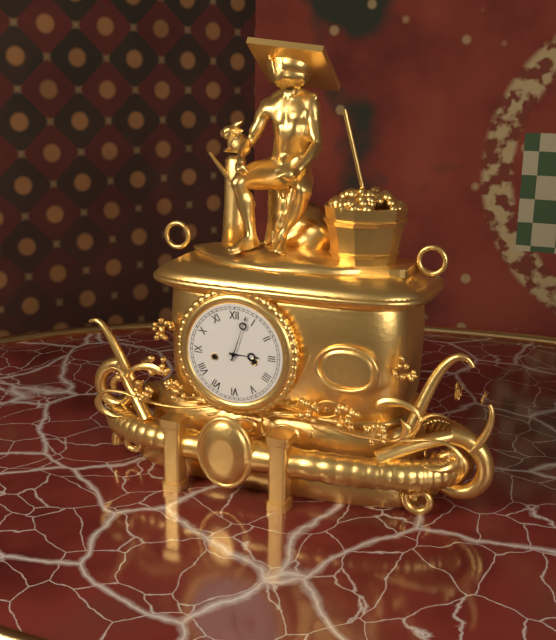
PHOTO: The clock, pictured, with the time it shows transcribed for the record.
3:03
